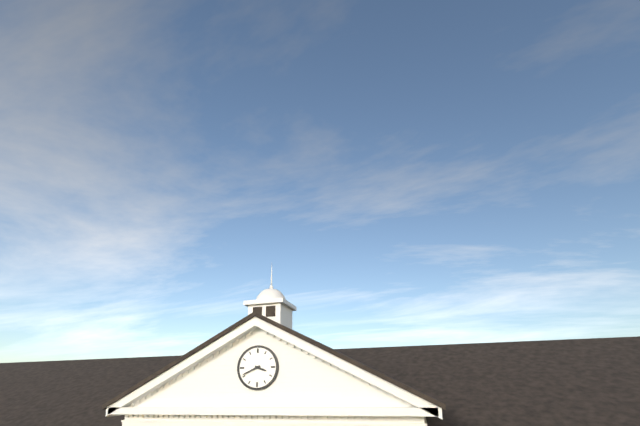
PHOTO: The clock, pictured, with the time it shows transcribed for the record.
3:41
